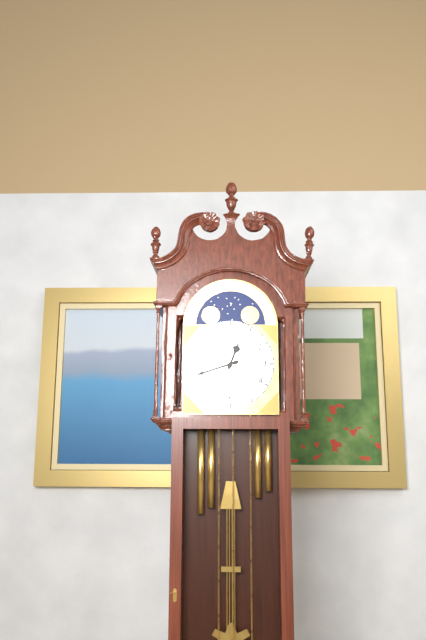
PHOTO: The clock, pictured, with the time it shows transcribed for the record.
12:42
